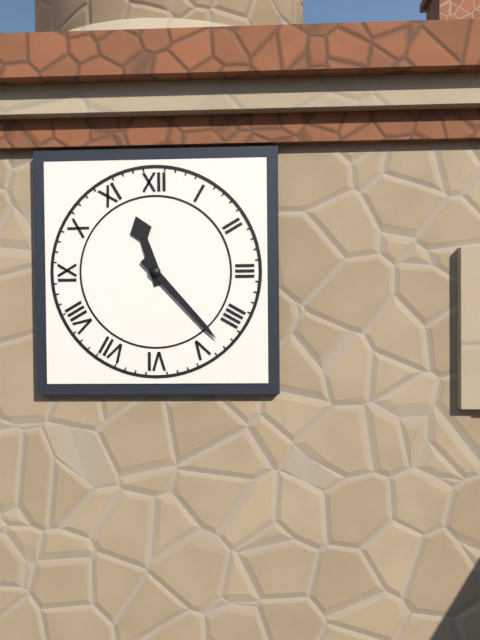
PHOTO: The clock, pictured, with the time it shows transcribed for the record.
11:23
